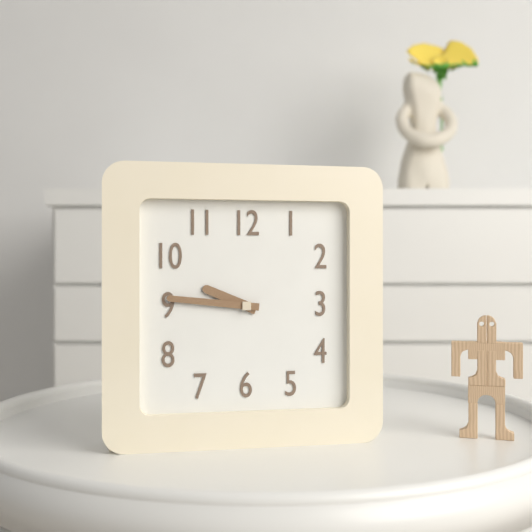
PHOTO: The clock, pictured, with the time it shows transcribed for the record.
9:46
